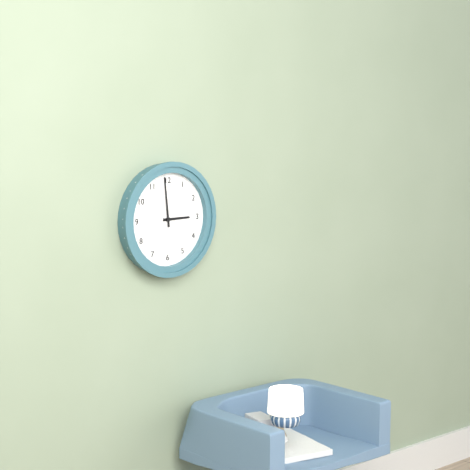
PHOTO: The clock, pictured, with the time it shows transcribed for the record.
2:59
